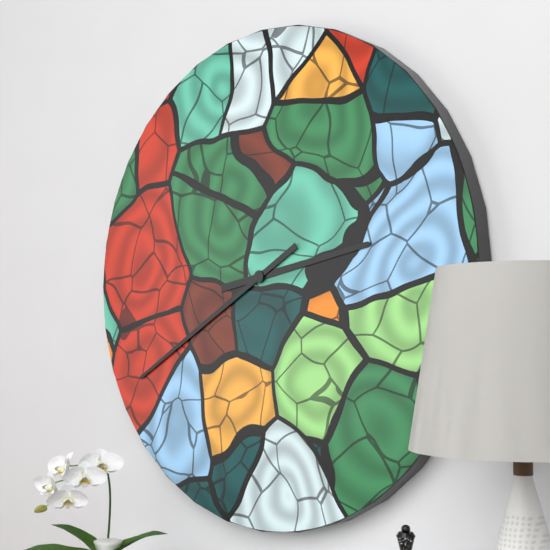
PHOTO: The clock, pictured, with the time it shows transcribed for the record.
2:40
